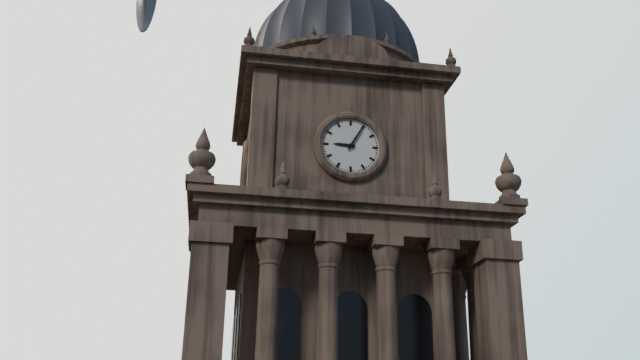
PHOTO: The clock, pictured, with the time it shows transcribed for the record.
9:05
